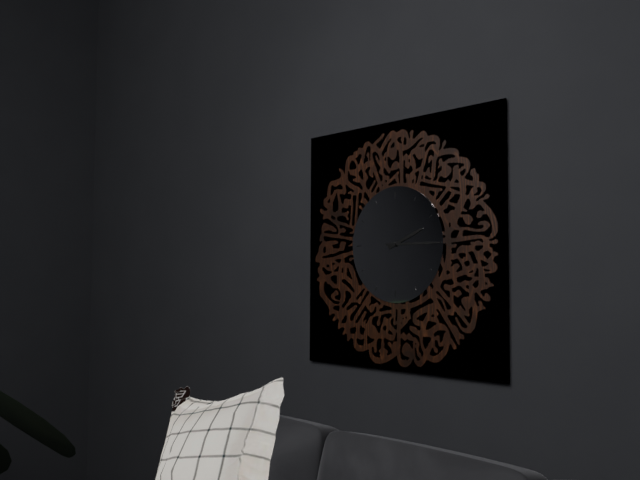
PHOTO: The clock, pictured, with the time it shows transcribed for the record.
2:15
